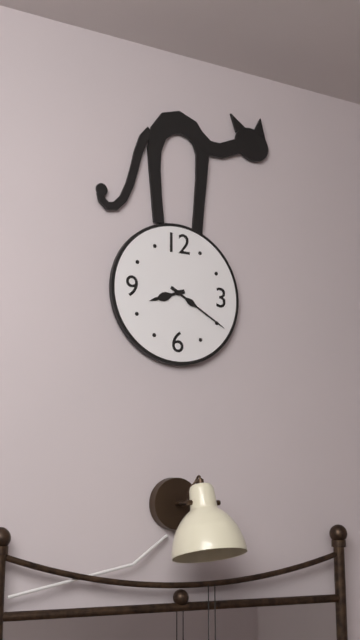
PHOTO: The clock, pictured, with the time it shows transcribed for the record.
8:20
